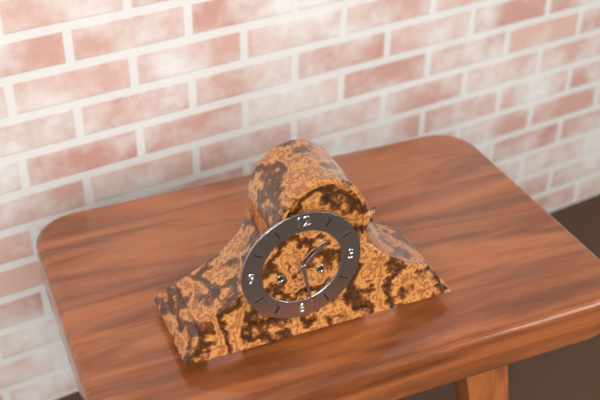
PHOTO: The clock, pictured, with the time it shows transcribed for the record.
1:28
